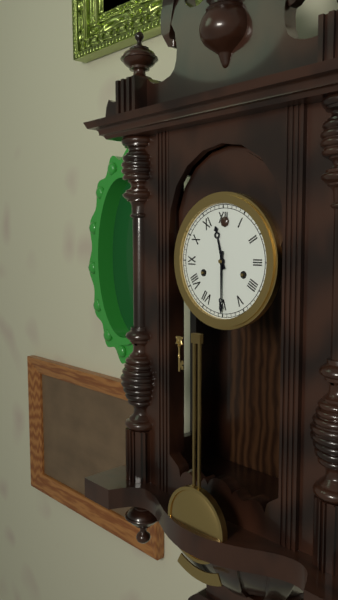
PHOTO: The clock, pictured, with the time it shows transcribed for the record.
11:30
